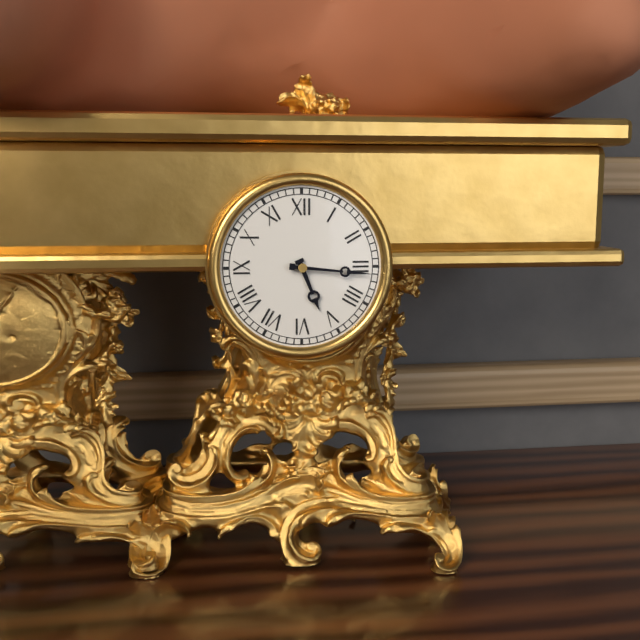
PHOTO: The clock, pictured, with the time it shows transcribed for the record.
5:16
